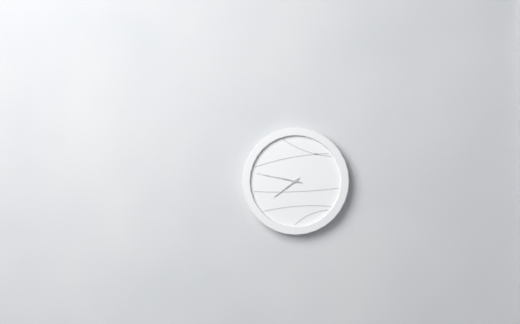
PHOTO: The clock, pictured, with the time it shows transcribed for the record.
7:47
